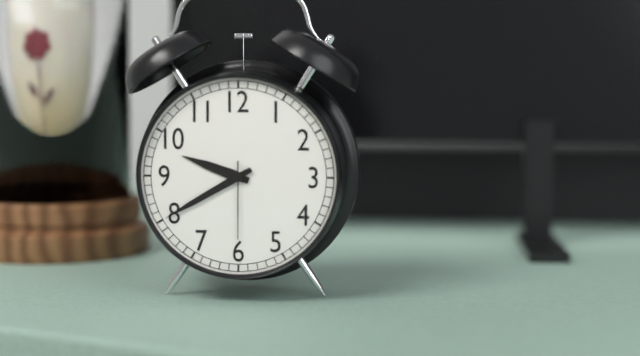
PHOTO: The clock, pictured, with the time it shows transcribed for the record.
9:40:30
